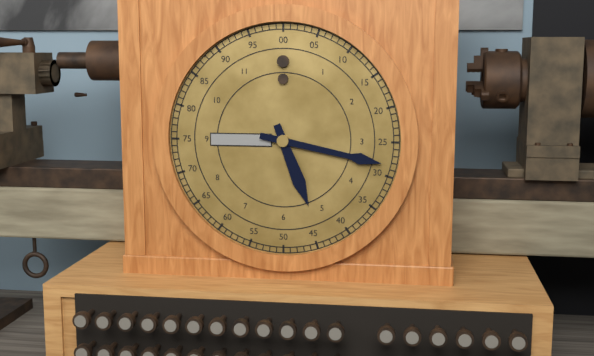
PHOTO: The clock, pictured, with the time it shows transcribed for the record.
5:17
